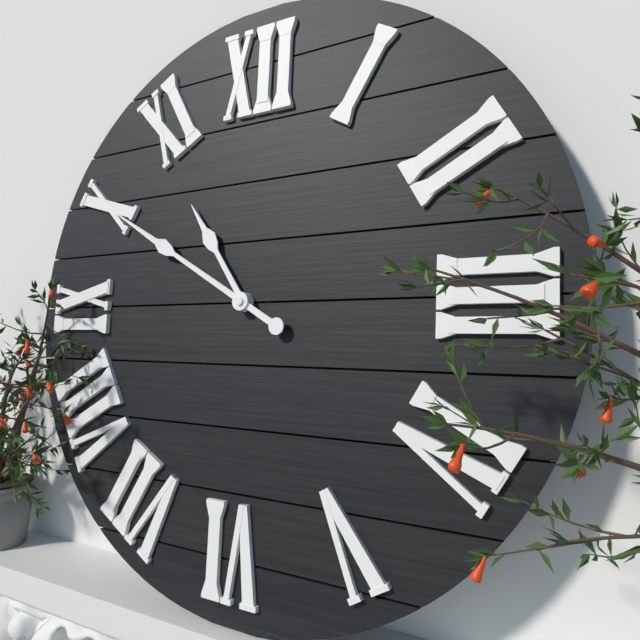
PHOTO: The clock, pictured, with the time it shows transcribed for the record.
10:50
